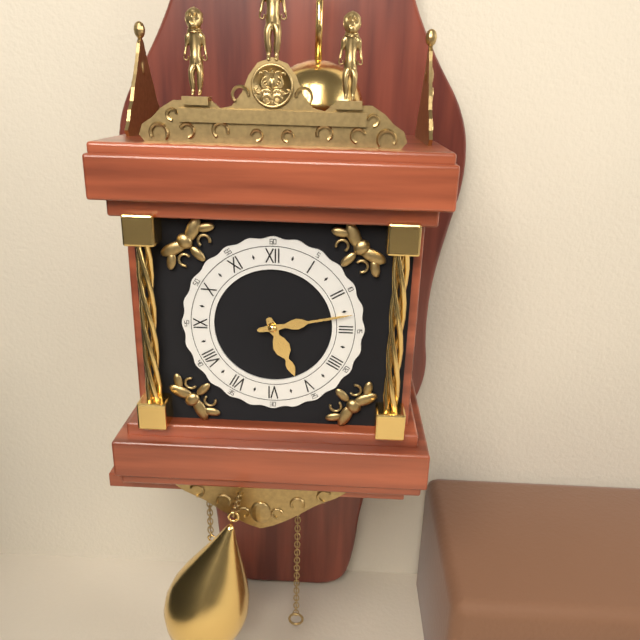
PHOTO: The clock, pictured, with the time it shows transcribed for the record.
5:13
